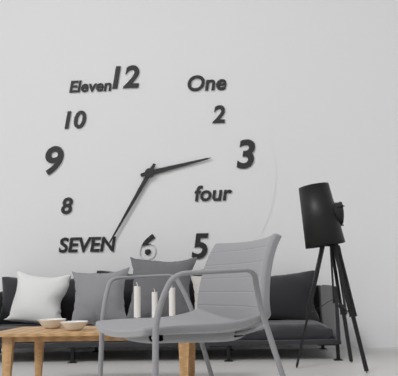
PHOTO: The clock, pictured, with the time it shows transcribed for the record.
2:35
